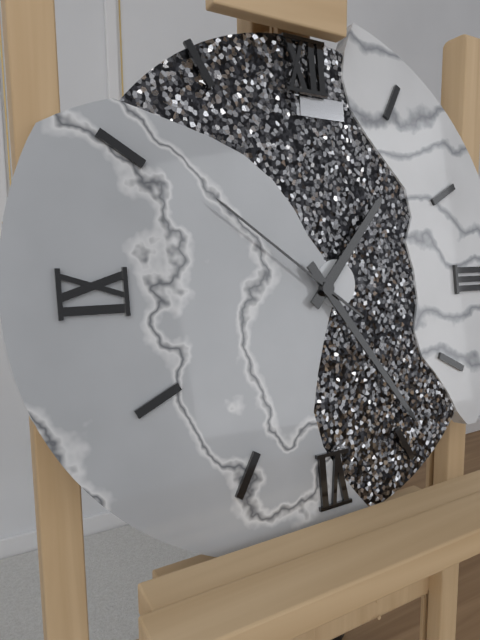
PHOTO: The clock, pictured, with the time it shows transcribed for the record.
1:24:51
